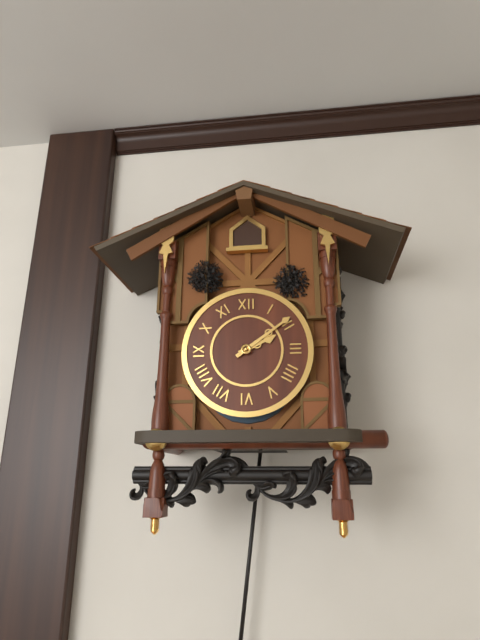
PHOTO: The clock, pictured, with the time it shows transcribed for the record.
2:09
